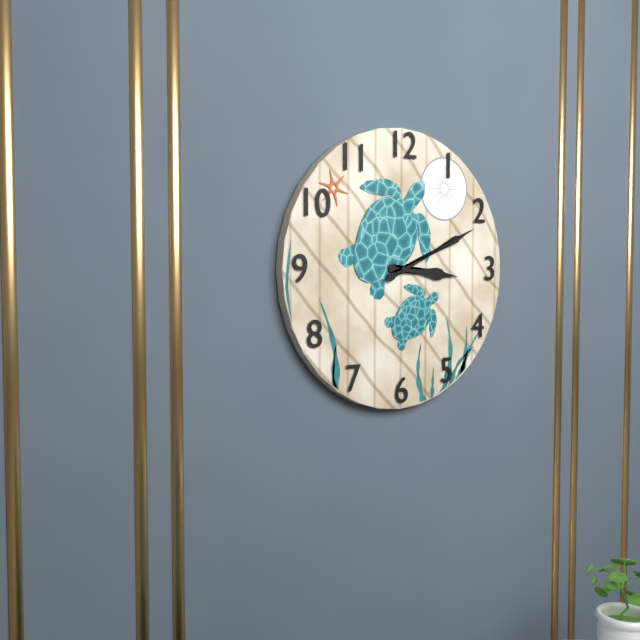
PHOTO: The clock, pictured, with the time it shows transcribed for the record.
3:11
